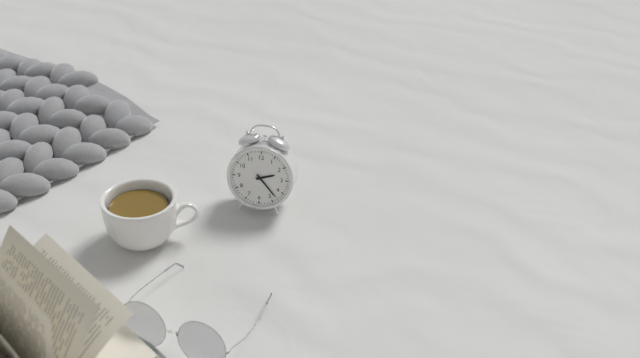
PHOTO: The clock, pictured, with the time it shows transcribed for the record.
2:23
